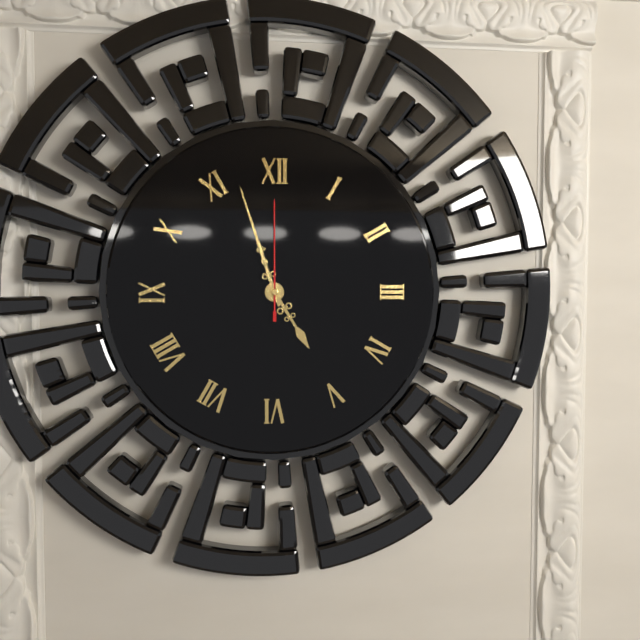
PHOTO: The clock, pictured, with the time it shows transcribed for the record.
4:57:00
